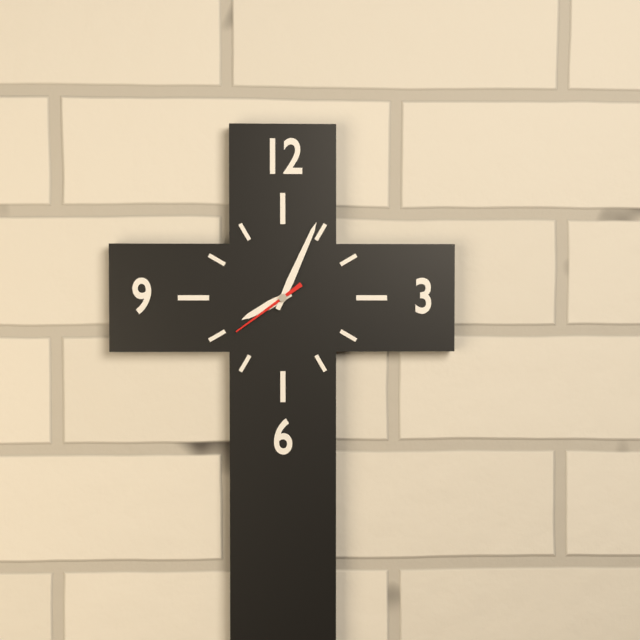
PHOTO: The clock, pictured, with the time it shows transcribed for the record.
8:04:39
